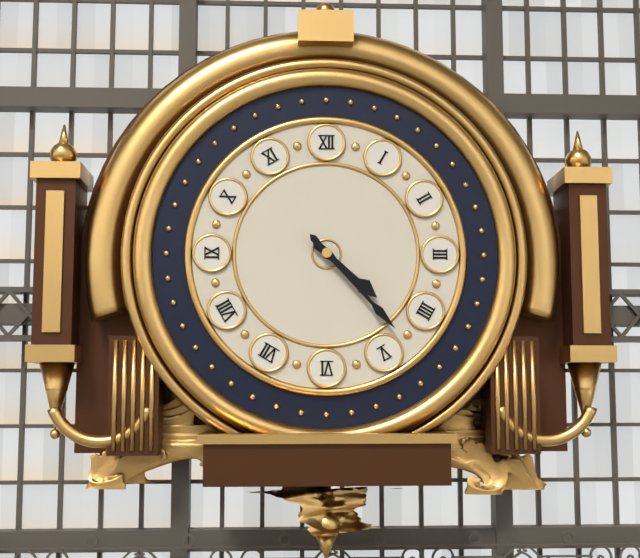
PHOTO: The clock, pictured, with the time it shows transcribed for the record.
4:23
